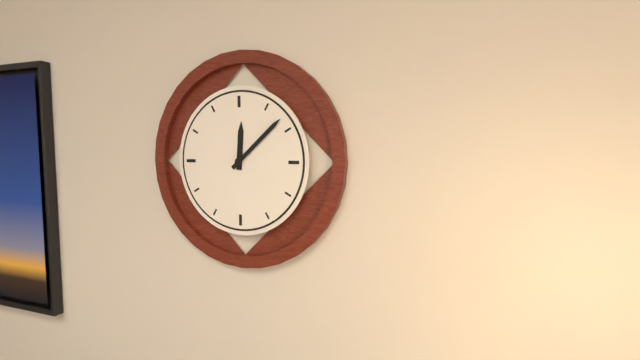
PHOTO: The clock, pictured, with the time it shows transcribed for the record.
12:08
